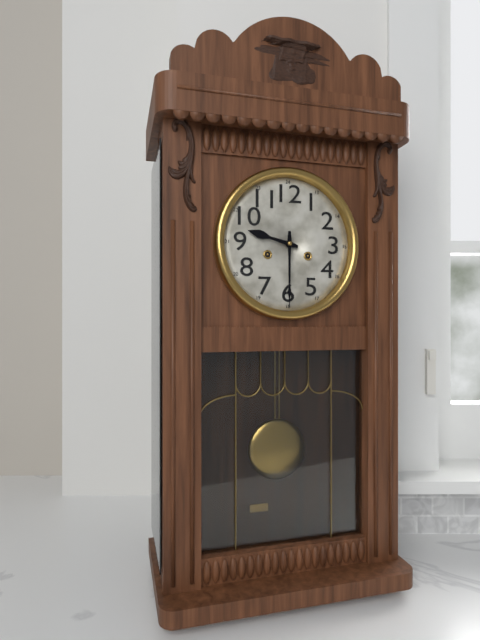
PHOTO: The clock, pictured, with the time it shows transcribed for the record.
9:30
